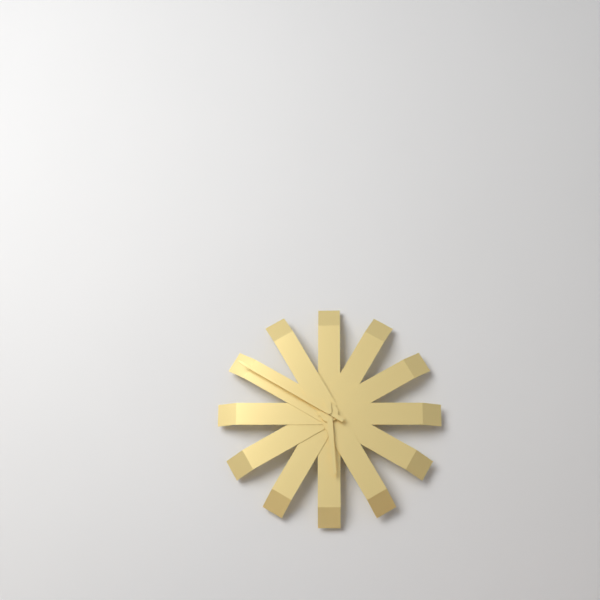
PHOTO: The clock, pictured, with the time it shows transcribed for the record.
5:50
